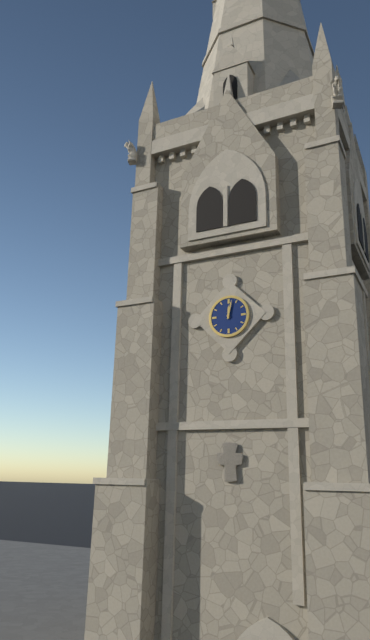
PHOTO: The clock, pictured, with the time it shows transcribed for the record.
12:02
